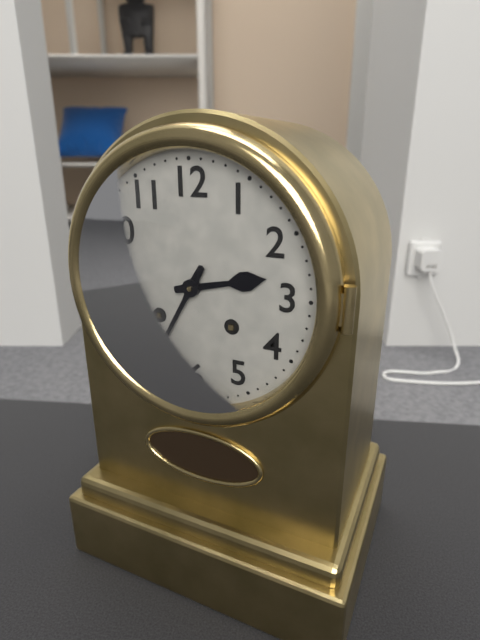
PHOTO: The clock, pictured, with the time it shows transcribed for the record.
2:35
